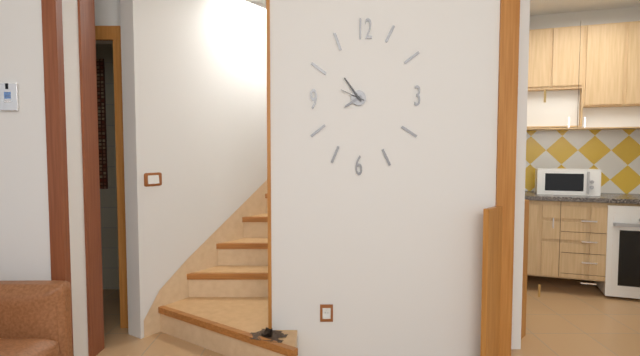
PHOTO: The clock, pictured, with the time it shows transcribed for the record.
7:54
